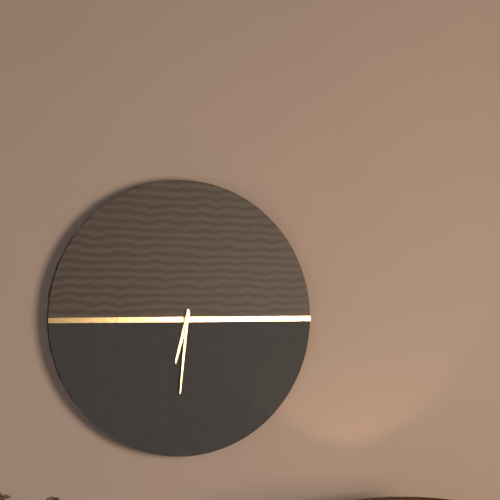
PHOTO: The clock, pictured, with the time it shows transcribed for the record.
6:31
